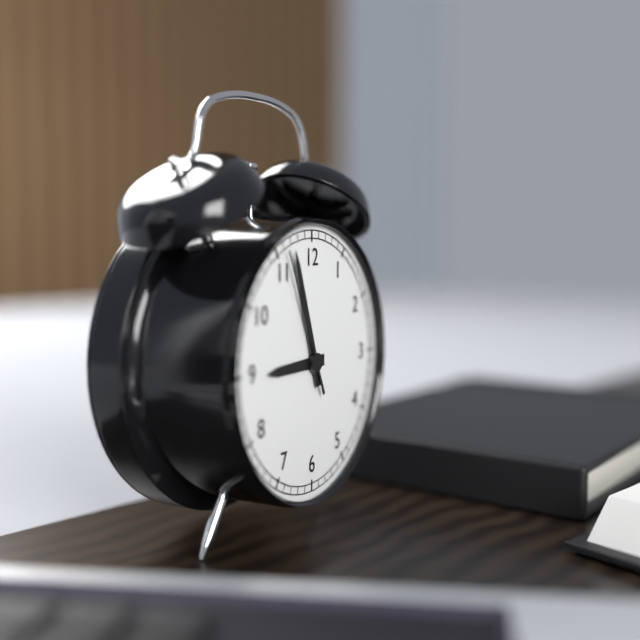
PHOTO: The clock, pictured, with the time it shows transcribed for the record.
8:57:56
